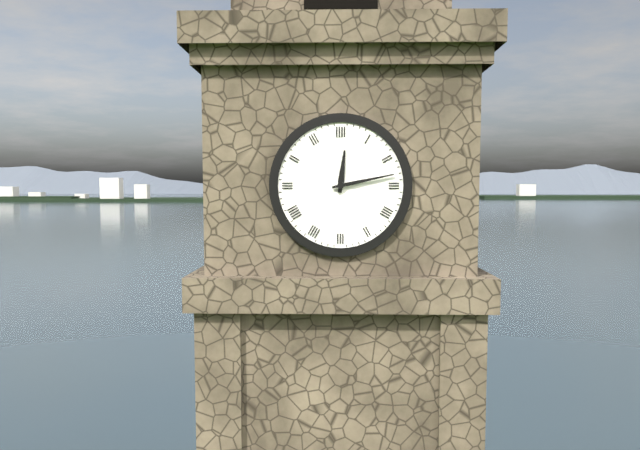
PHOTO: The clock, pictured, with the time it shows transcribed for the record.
12:13
